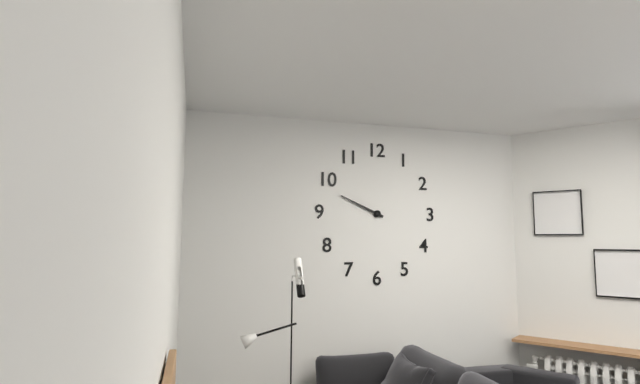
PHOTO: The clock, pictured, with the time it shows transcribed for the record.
9:49
